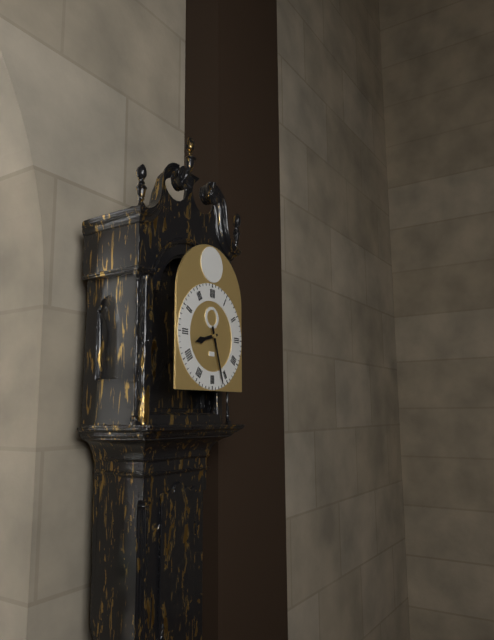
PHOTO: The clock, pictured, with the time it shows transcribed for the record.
8:27
